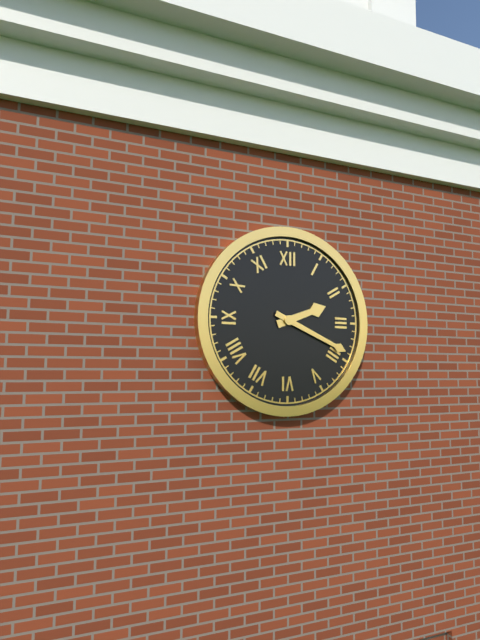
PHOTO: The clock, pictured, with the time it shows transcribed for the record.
2:19
